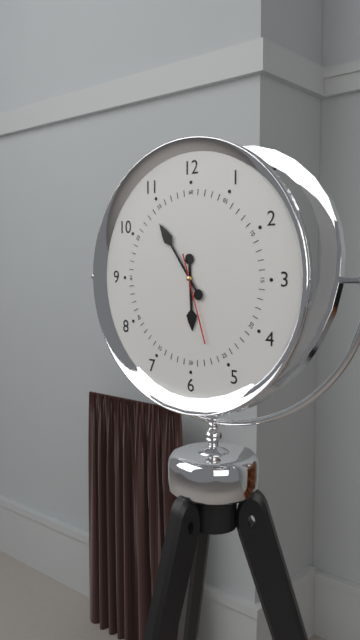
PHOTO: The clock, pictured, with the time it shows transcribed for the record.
5:54:27
